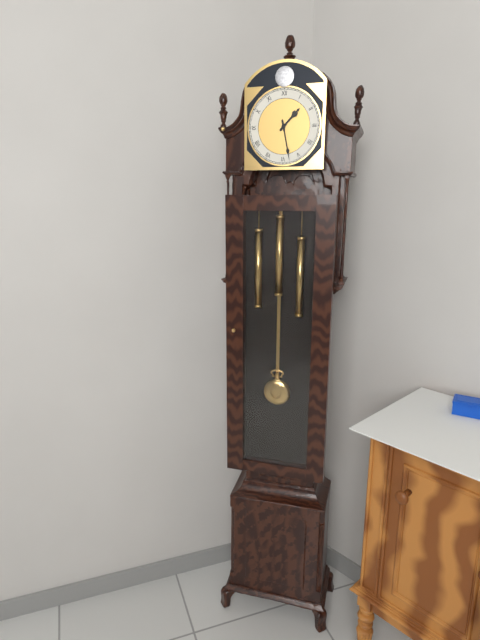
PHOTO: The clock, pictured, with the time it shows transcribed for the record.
1:28
